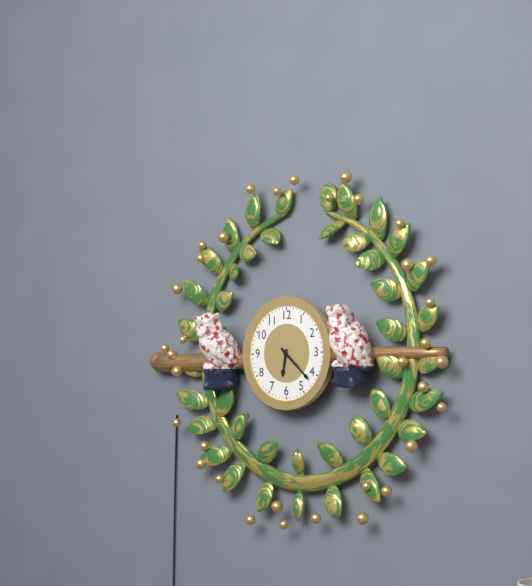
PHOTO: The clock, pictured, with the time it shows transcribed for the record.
6:22
